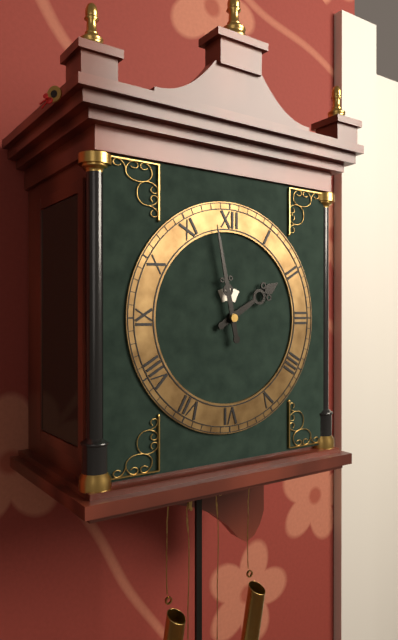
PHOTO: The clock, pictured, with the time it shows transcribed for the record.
1:58
